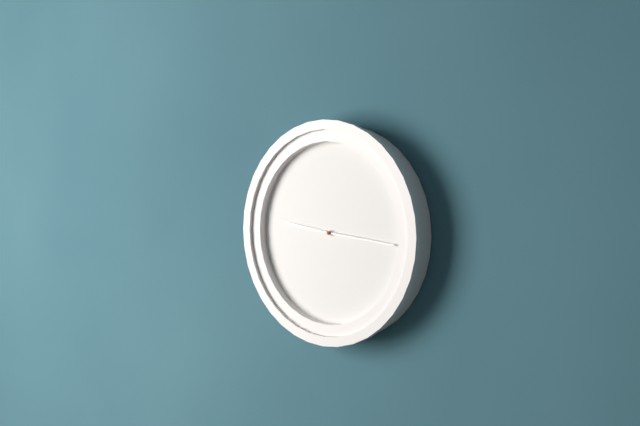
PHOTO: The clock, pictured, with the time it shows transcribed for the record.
9:16
